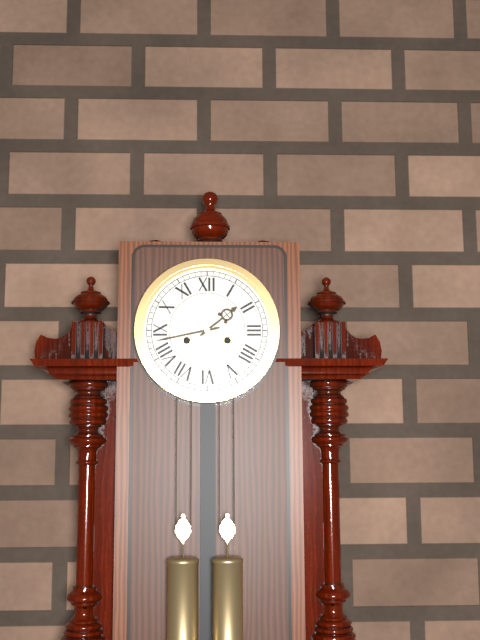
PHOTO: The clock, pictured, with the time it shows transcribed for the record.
1:43
